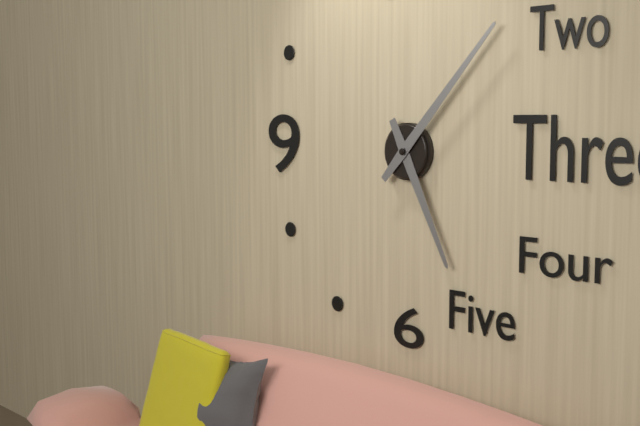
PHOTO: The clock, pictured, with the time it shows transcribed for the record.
5:07
